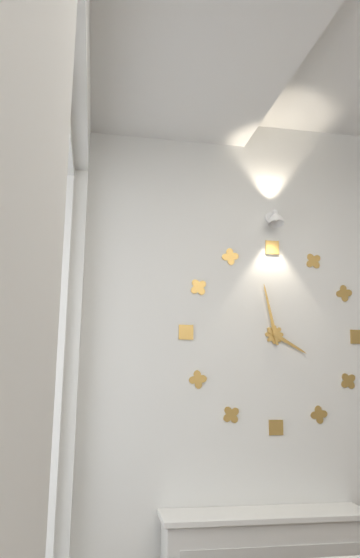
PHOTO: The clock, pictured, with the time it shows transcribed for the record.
3:58
